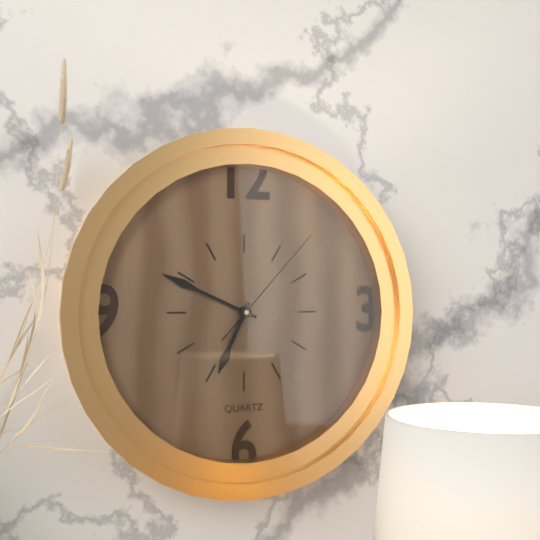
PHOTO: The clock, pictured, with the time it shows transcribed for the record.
6:49:07
